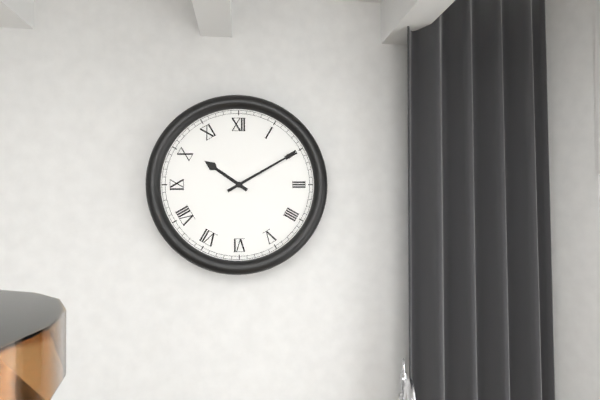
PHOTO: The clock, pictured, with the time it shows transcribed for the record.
10:10
